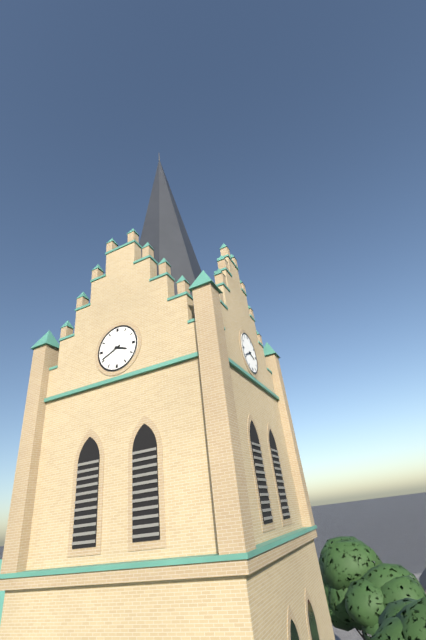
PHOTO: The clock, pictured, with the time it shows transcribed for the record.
3:41
